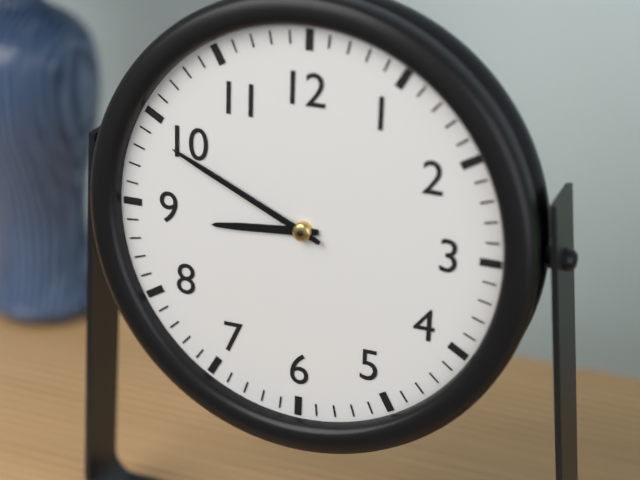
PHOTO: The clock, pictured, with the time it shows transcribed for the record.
8:49
